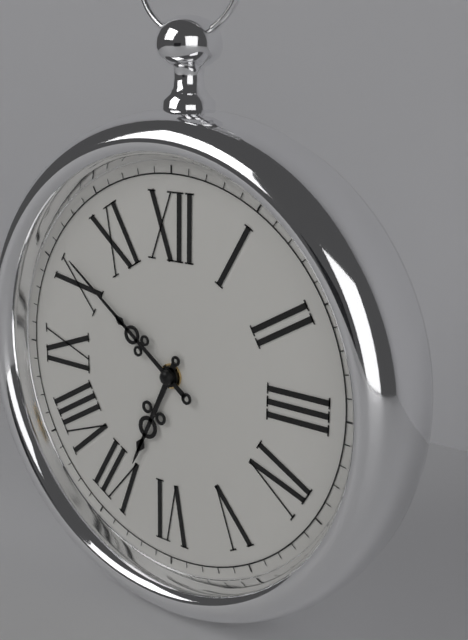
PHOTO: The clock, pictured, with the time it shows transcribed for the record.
6:51
